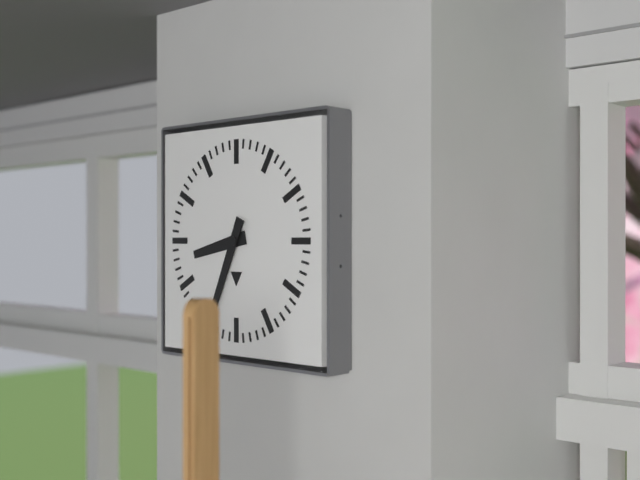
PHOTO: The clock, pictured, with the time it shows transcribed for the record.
8:34
